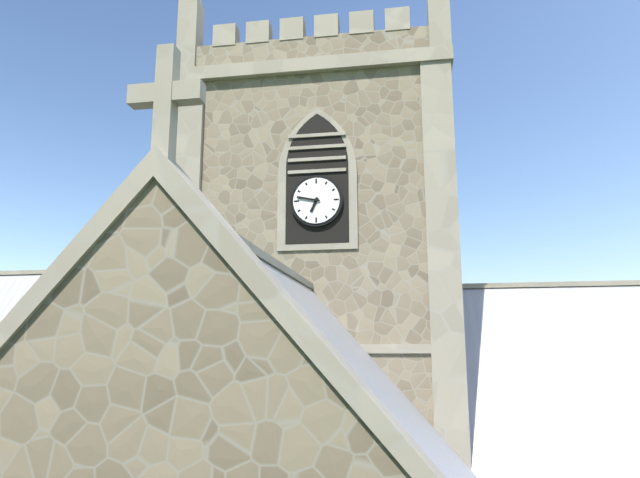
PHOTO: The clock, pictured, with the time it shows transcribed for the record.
6:47
